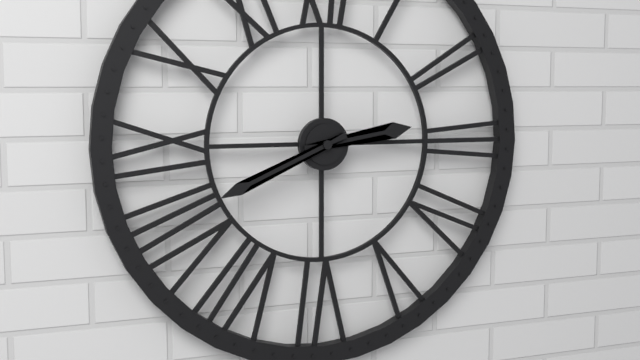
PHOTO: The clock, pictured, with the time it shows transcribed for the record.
2:41
